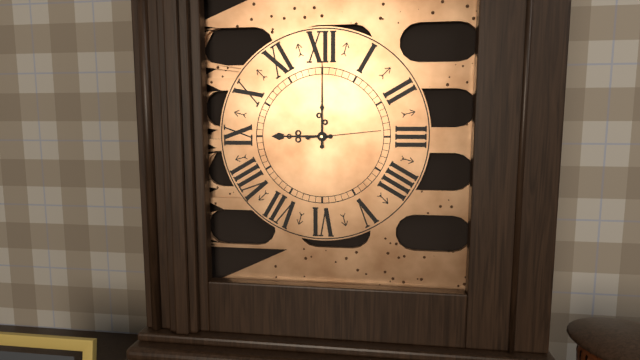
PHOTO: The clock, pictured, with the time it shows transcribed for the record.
9:00:14
